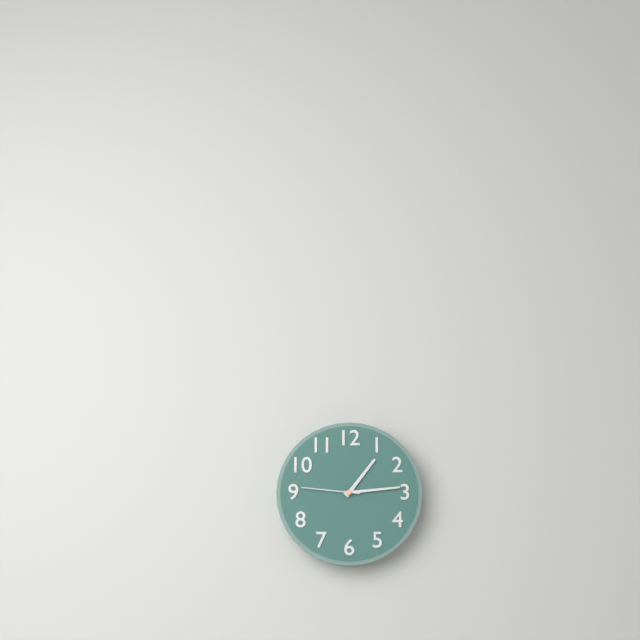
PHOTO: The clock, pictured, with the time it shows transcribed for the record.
1:14:46
